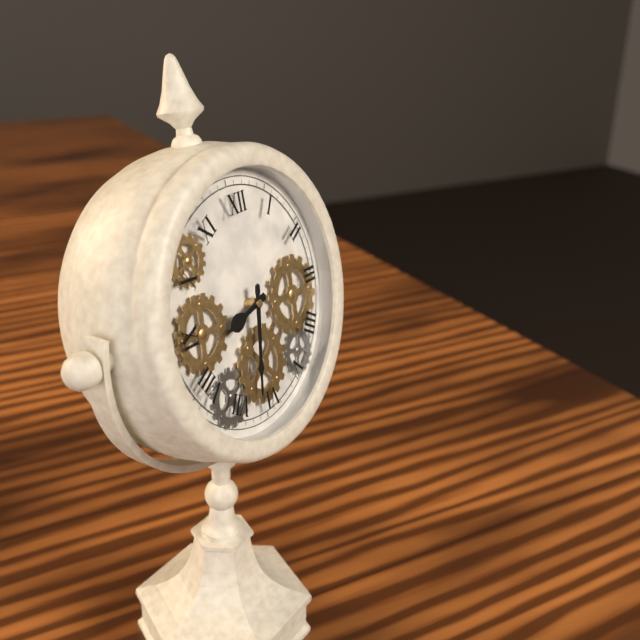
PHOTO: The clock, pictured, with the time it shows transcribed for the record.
8:32
